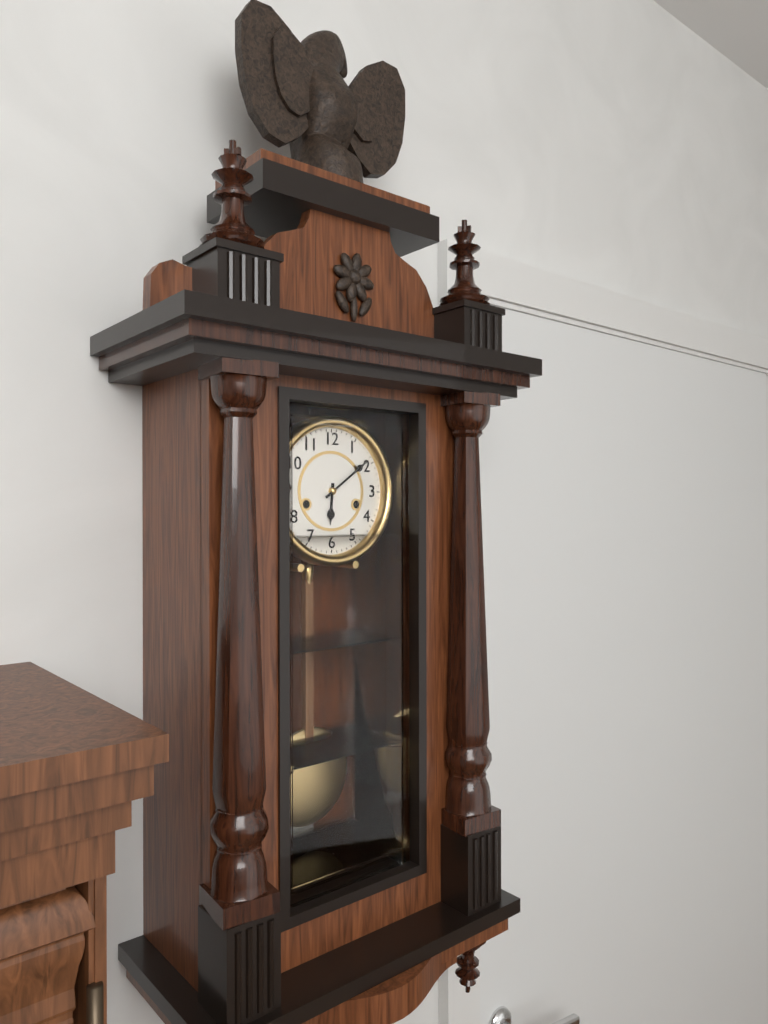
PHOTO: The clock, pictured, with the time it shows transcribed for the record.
6:09
